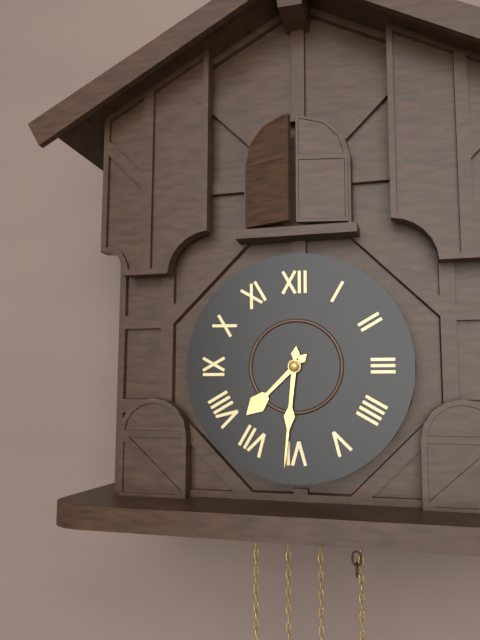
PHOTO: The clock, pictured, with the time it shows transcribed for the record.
7:31
